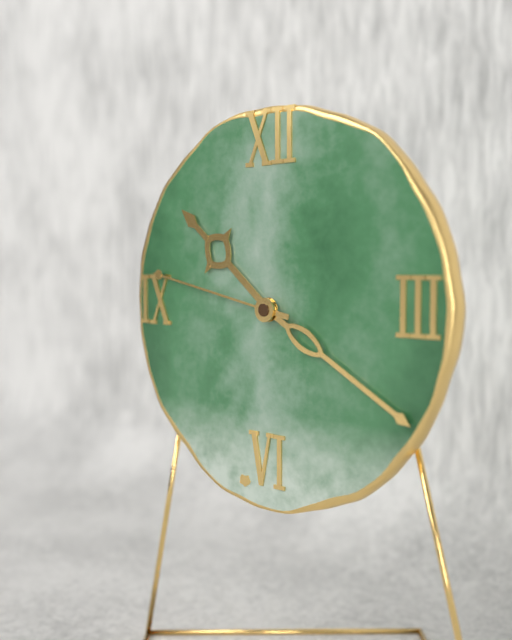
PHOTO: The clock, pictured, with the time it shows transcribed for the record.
10:20:47
